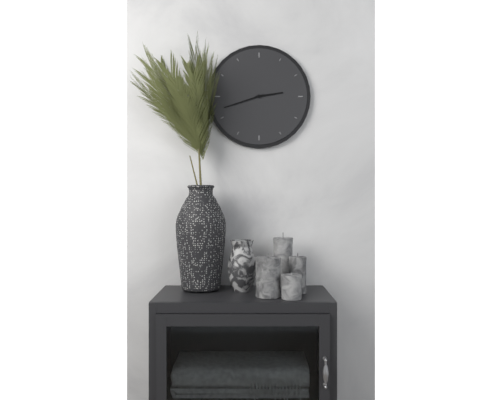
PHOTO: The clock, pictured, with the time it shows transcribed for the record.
2:42
